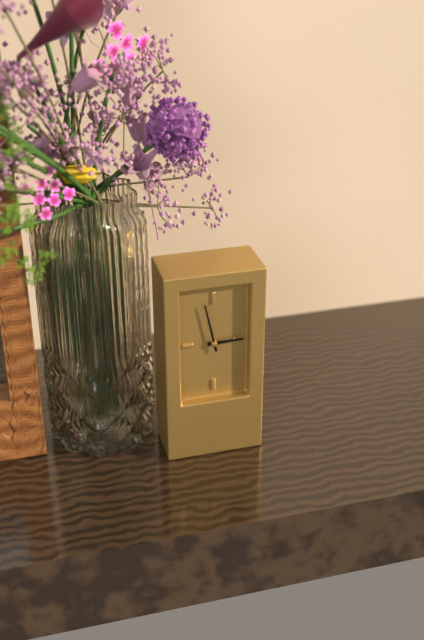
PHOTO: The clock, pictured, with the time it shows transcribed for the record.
2:58
